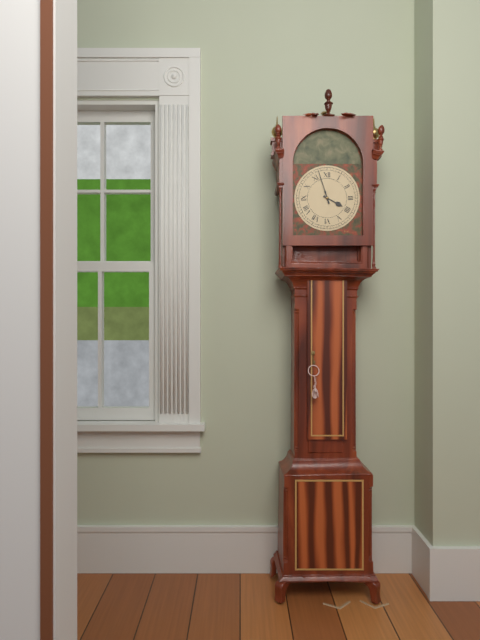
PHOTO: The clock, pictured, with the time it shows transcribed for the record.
3:57
